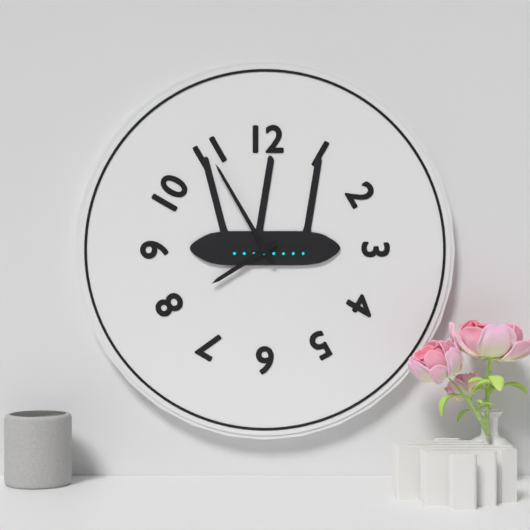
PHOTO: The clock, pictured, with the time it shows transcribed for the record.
7:55
